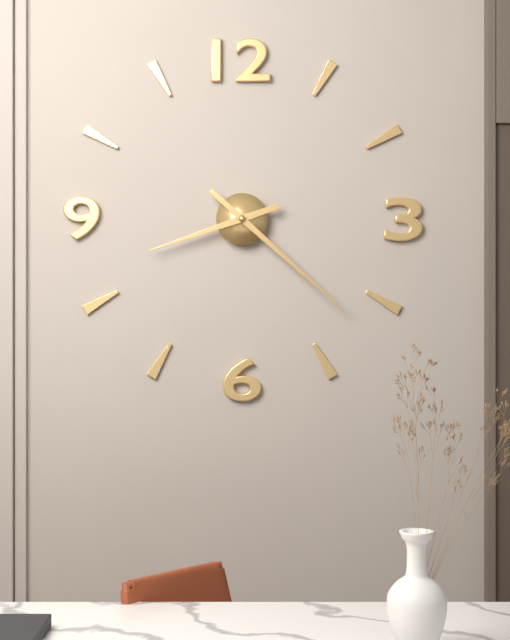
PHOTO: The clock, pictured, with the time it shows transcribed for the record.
8:22
